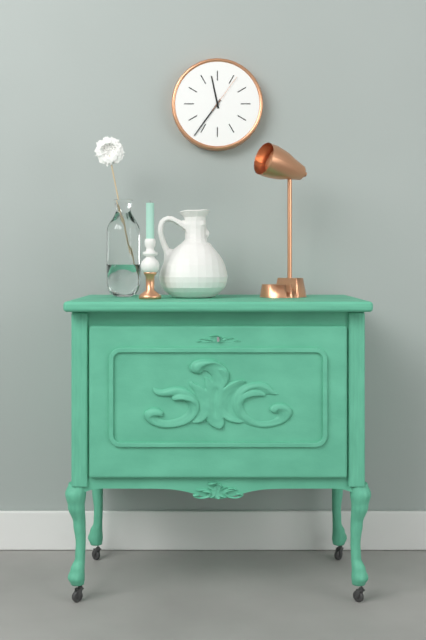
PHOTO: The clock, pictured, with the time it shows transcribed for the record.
11:36
